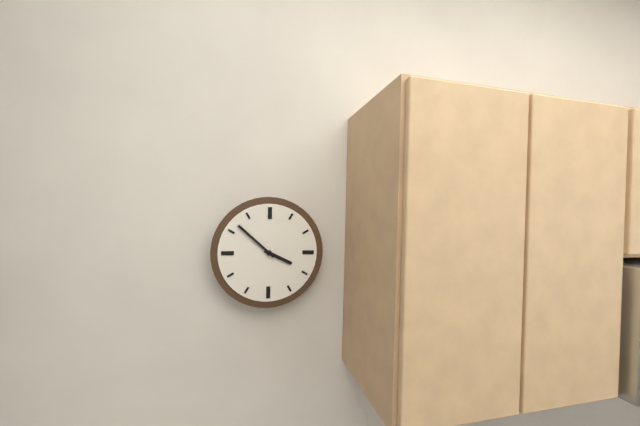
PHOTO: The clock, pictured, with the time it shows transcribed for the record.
3:52
